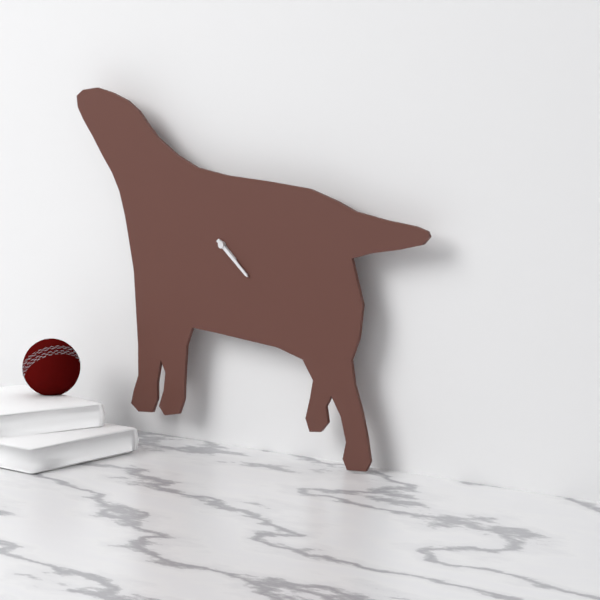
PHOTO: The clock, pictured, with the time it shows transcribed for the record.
4:22
